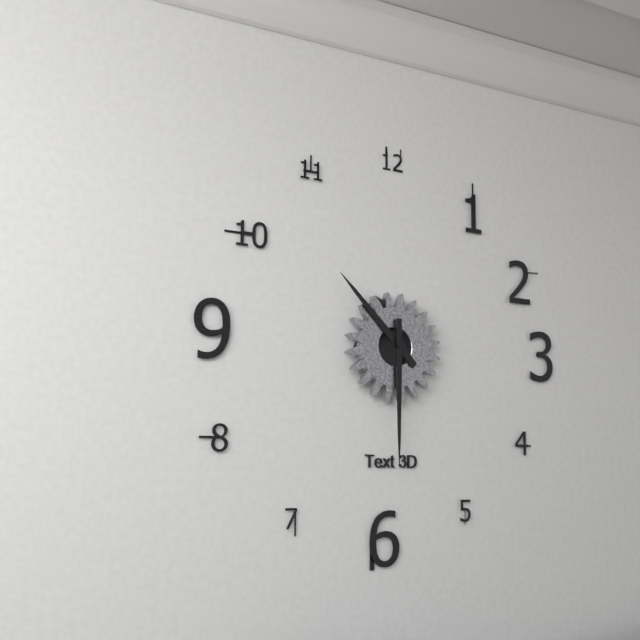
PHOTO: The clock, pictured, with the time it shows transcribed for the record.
10:30
